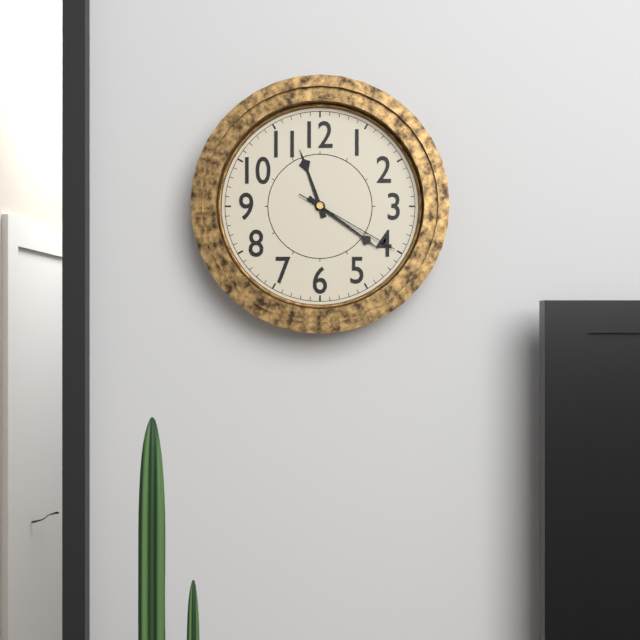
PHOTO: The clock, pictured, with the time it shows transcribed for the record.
11:21:20
